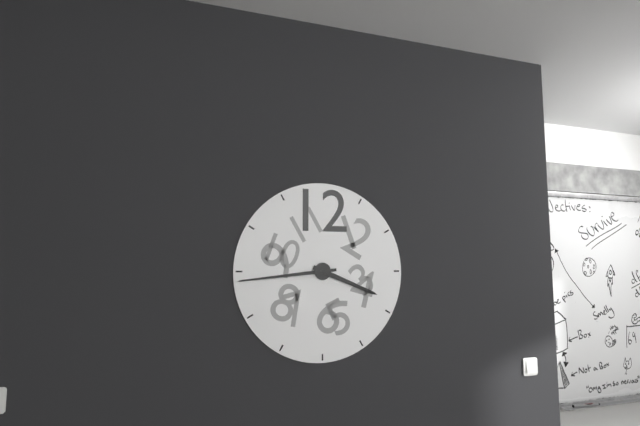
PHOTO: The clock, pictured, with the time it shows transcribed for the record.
3:44
